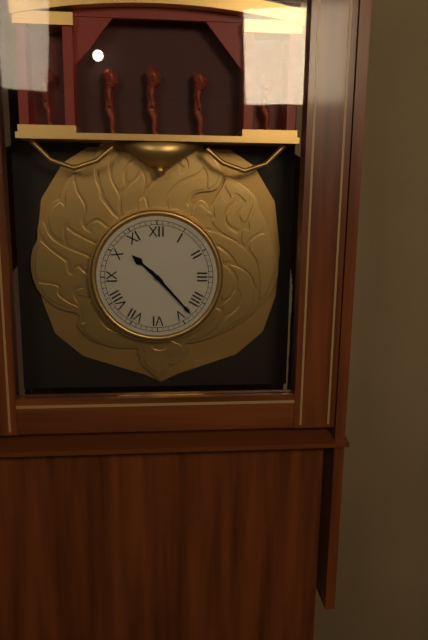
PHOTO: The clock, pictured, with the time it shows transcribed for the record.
10:23
